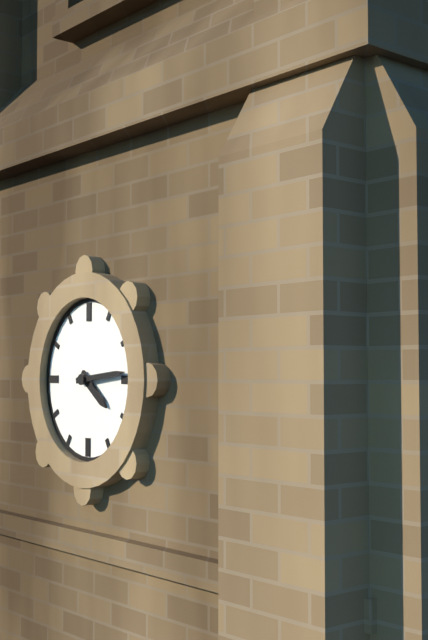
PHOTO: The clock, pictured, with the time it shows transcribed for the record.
4:14
